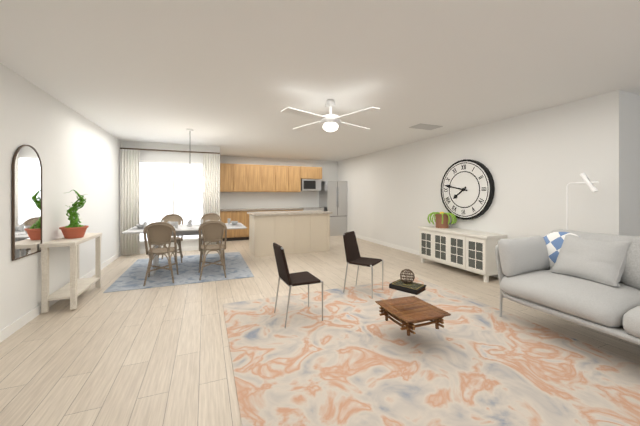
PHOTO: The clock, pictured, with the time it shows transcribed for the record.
7:47
